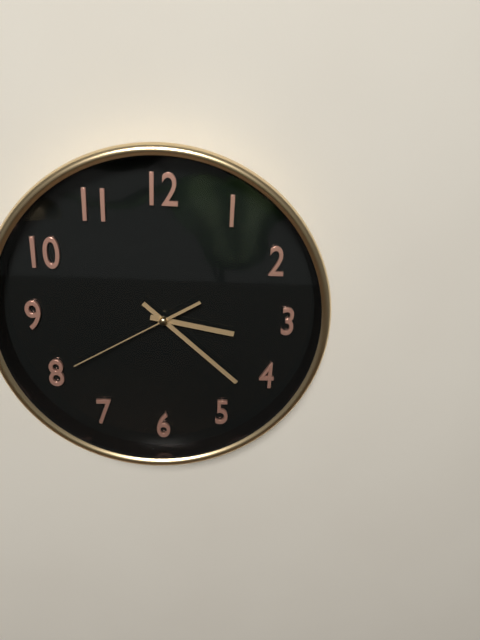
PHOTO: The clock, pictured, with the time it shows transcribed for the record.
3:22:40
